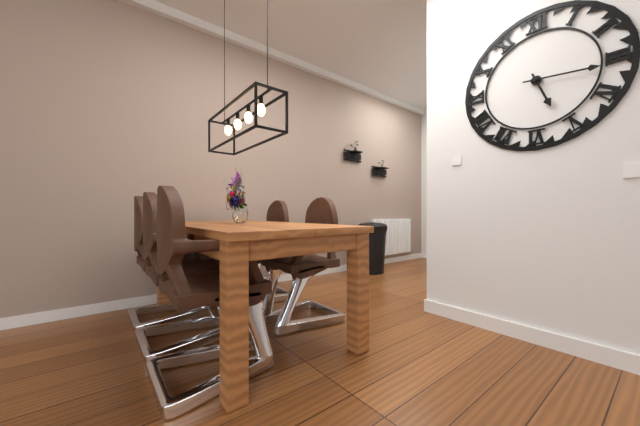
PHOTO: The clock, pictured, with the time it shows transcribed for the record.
5:16
